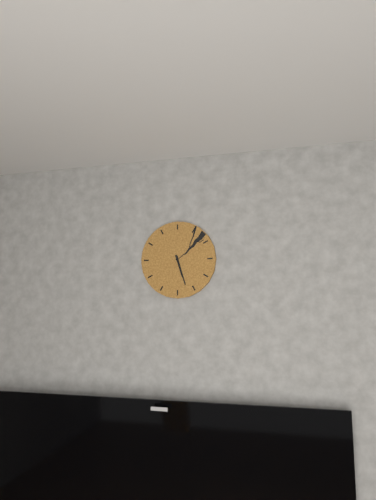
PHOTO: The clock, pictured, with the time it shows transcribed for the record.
5:27
